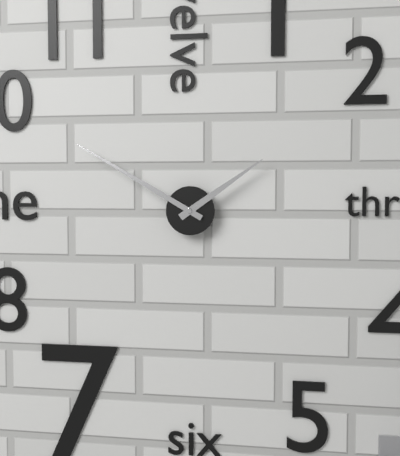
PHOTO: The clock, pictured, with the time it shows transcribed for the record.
1:50
